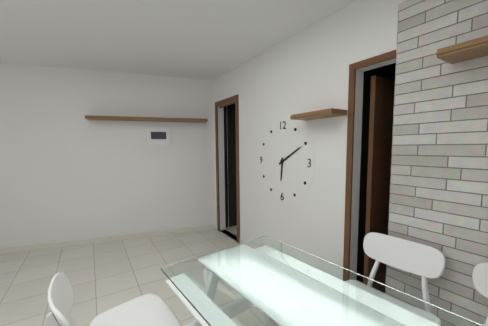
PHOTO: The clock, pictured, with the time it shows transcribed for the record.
6:10
